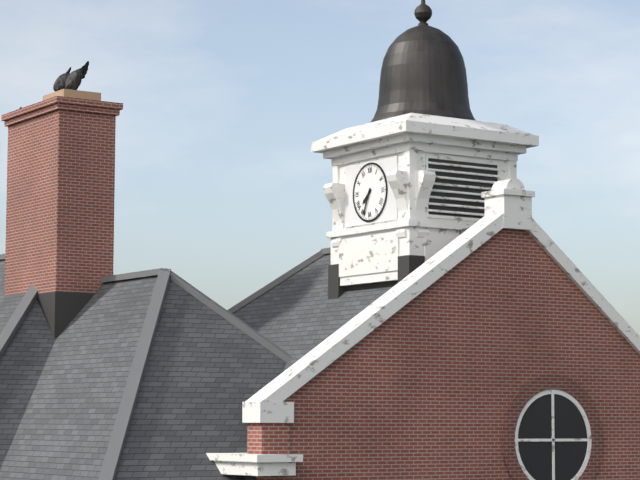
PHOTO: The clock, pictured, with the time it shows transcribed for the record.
7:34
